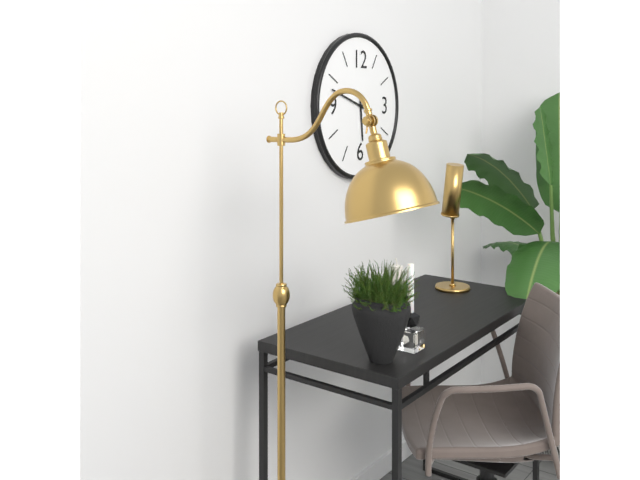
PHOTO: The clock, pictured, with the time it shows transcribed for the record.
5:48
